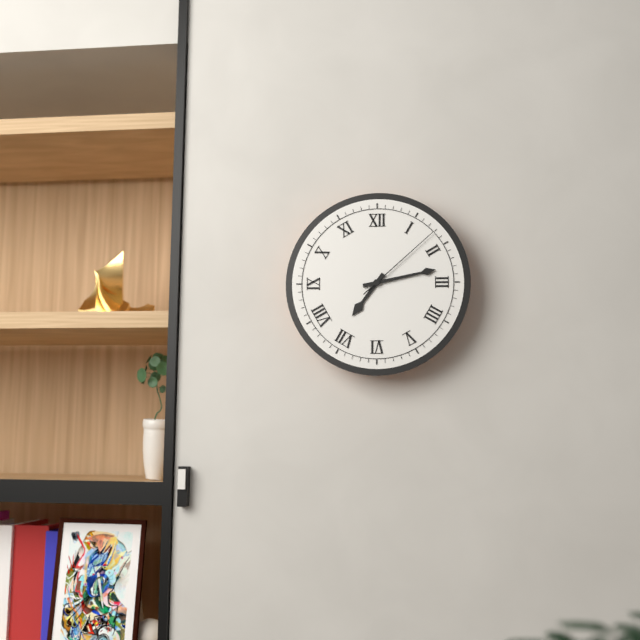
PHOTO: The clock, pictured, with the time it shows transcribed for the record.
7:13:08
